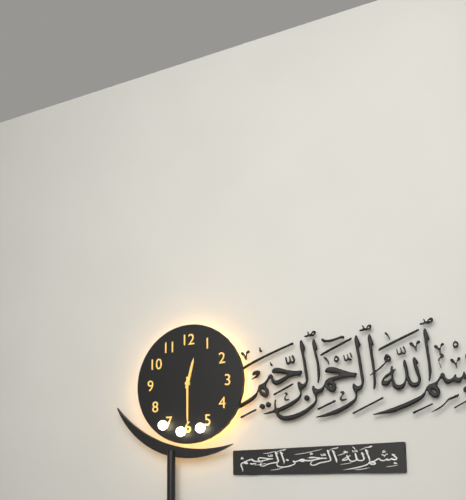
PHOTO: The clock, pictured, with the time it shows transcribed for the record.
12:30
